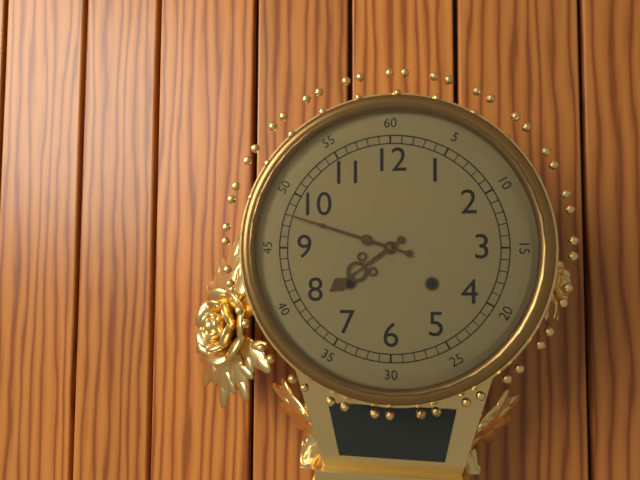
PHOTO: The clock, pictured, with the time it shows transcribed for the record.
7:48
